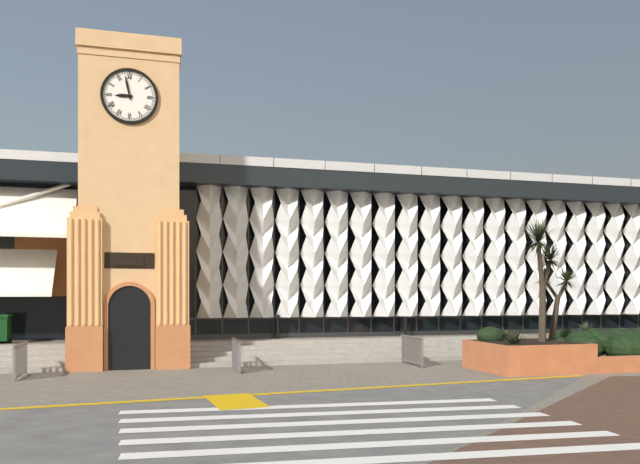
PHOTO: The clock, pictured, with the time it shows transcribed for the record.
8:58
